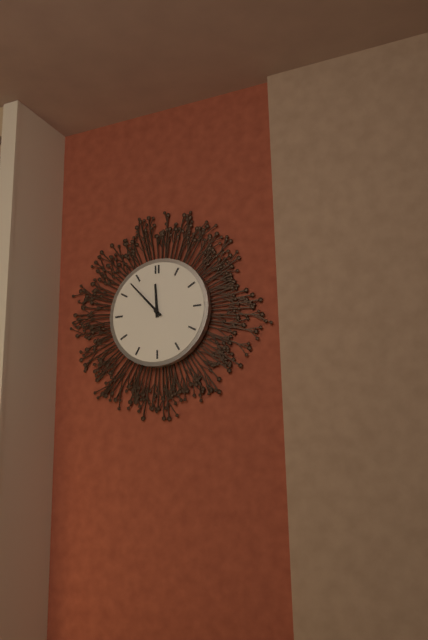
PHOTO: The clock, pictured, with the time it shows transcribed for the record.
11:53
